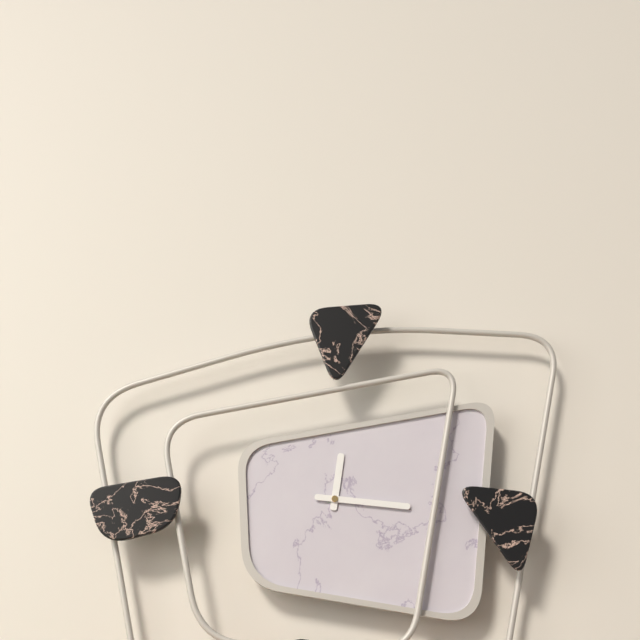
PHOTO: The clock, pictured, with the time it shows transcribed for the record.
12:16
